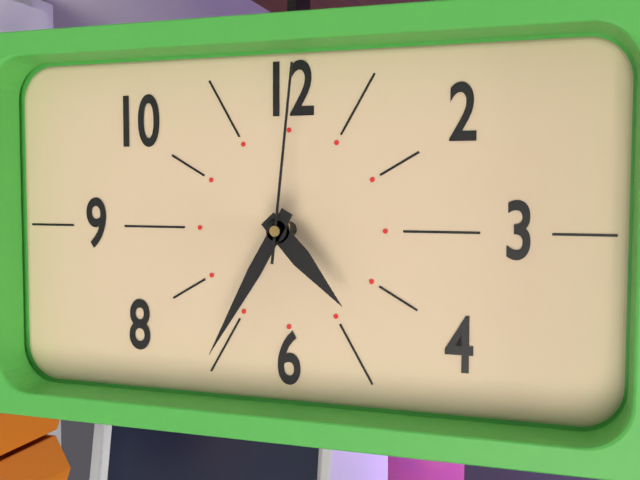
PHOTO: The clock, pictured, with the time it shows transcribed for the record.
4:35:01
